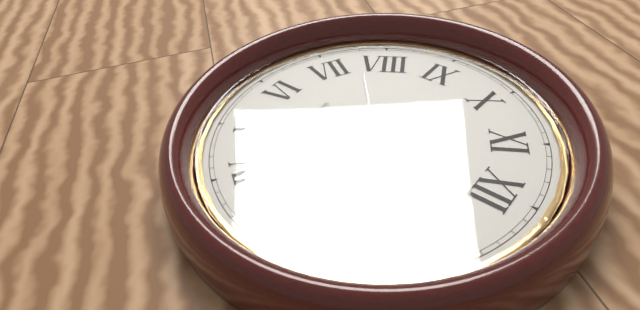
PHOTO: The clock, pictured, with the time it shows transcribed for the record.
1:05:38
